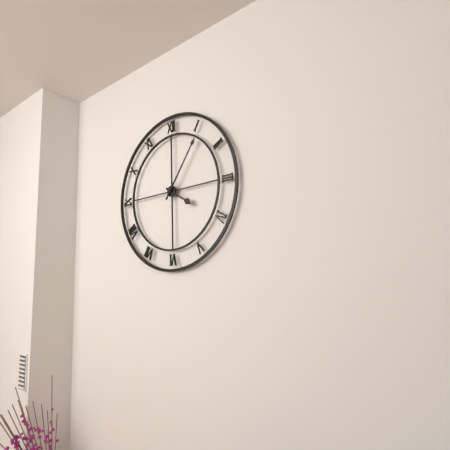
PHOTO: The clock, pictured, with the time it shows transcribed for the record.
4:06
